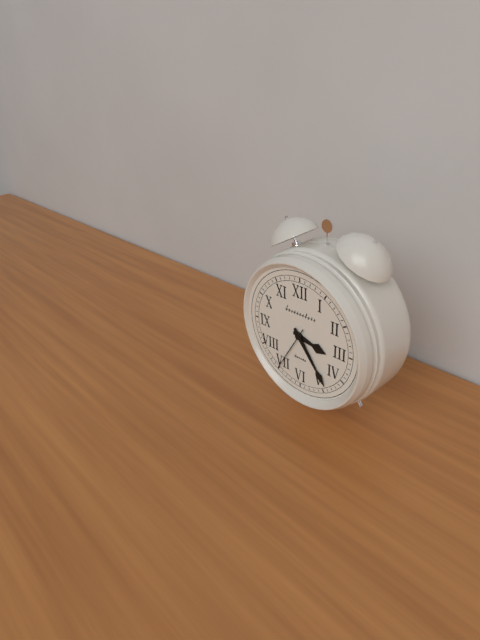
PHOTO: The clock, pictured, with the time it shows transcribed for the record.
3:24
